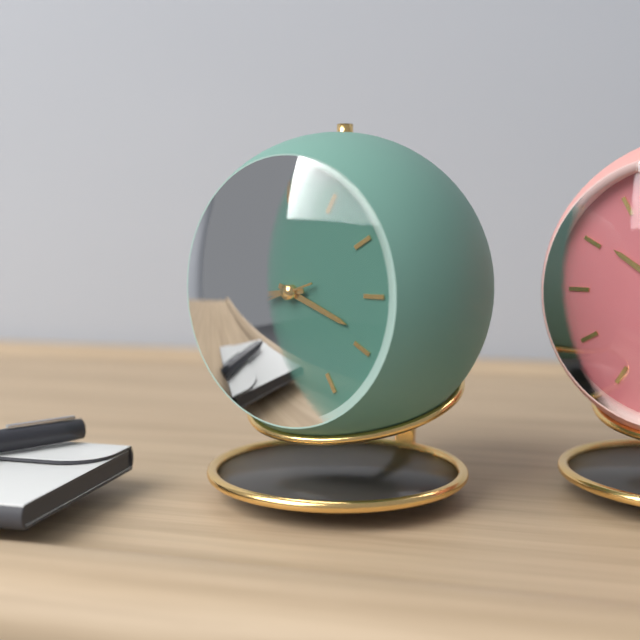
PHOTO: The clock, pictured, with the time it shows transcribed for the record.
3:44:42
